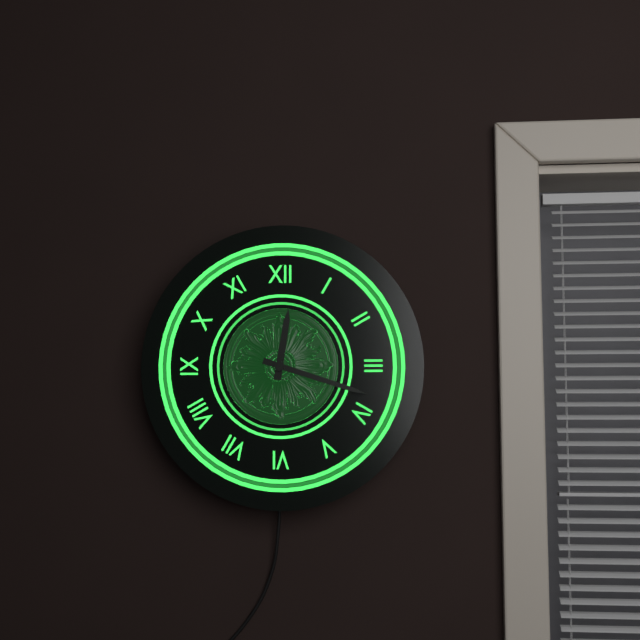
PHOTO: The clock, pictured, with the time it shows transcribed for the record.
12:18
